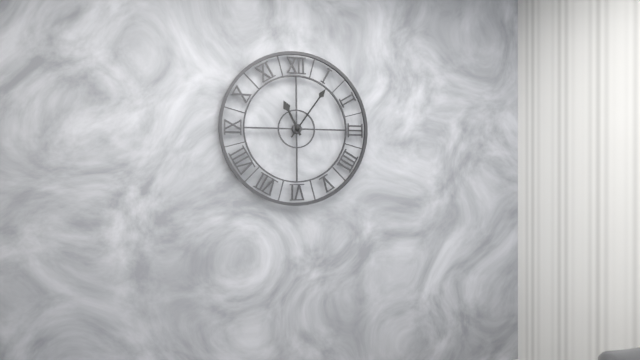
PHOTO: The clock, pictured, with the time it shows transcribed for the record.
11:06
